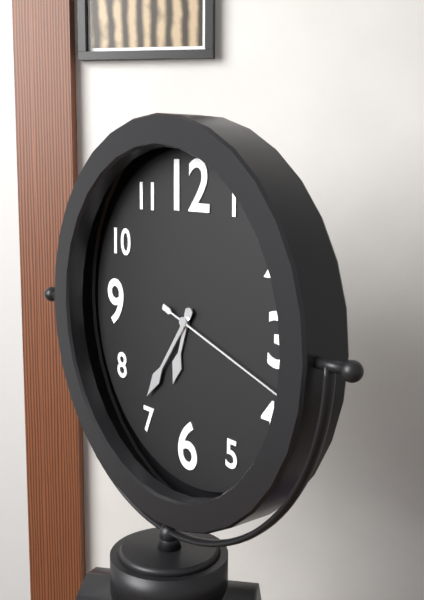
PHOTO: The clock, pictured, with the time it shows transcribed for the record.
6:36:18
